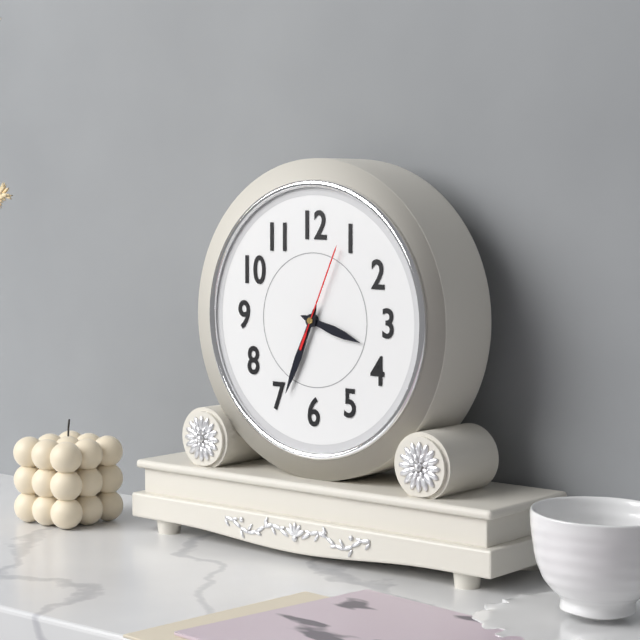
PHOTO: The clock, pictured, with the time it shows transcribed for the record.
3:34:04
